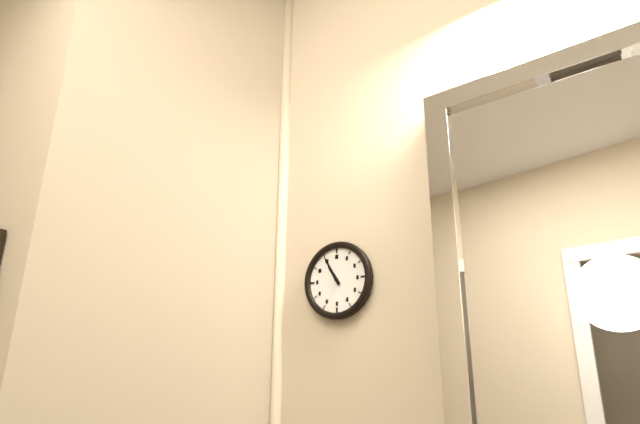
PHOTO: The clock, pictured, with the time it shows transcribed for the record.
10:55
